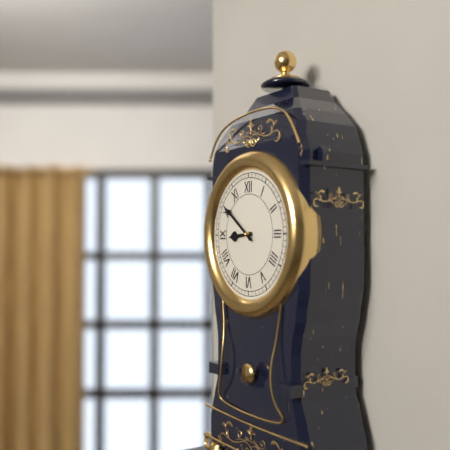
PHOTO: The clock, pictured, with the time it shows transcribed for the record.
8:51
